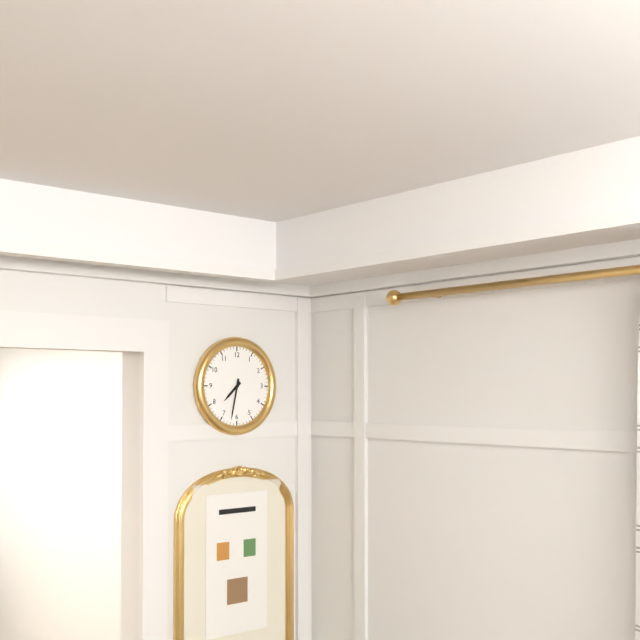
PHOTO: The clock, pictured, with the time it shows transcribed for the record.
7:32
